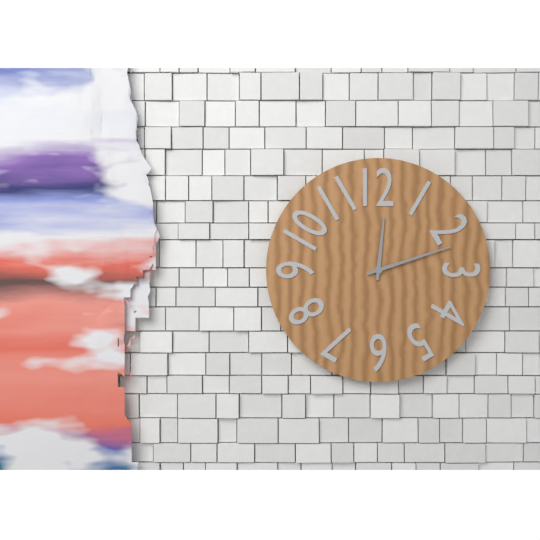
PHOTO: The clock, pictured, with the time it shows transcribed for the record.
12:12
